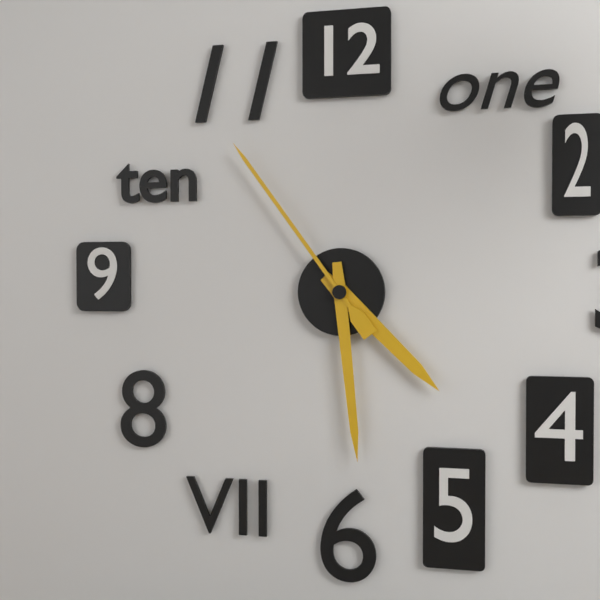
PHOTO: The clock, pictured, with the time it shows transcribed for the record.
4:29:54
